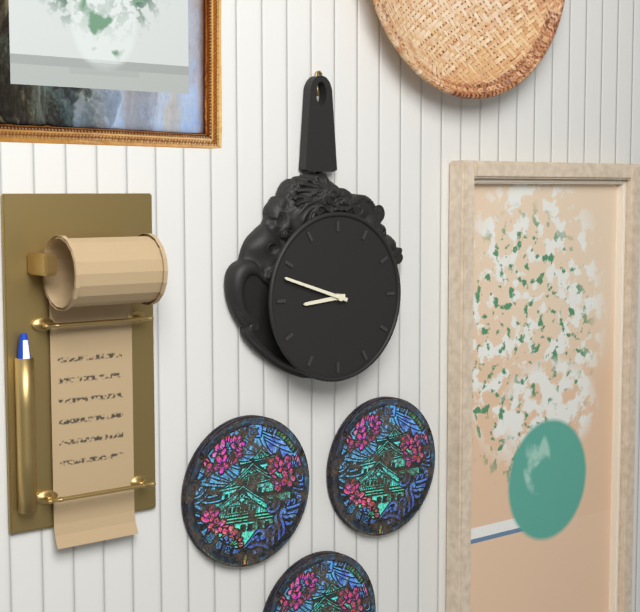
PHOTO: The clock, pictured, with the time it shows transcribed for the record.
8:48
